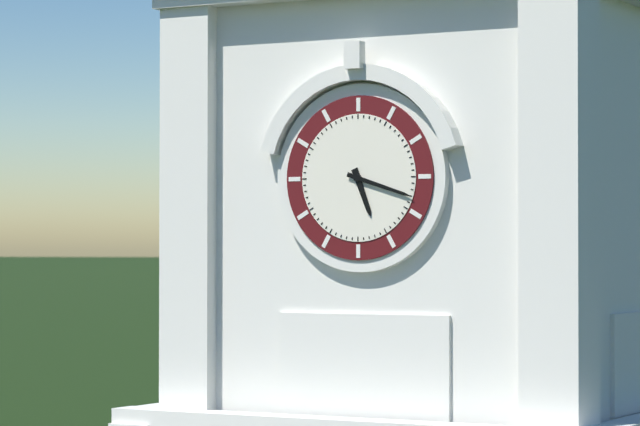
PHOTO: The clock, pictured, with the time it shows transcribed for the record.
5:18
